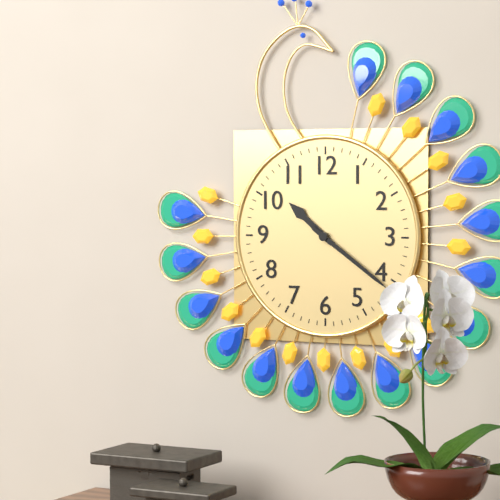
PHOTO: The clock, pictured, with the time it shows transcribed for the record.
10:21
